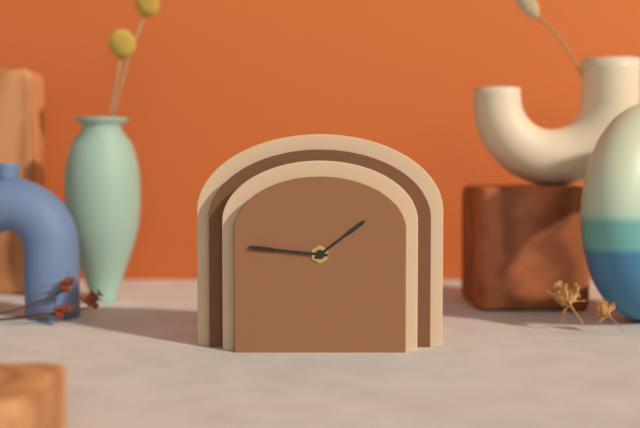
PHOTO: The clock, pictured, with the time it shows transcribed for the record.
1:46
